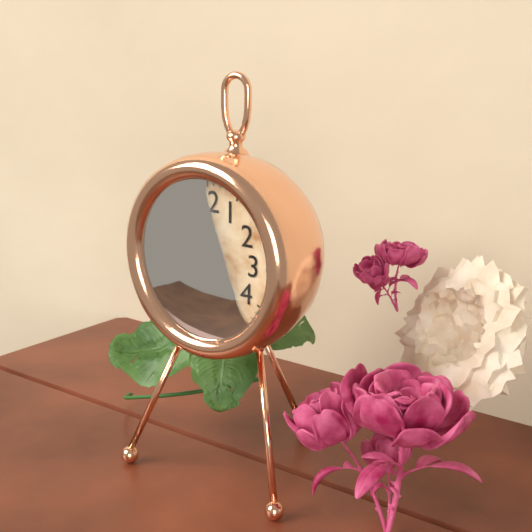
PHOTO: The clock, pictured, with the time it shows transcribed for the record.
9:41
